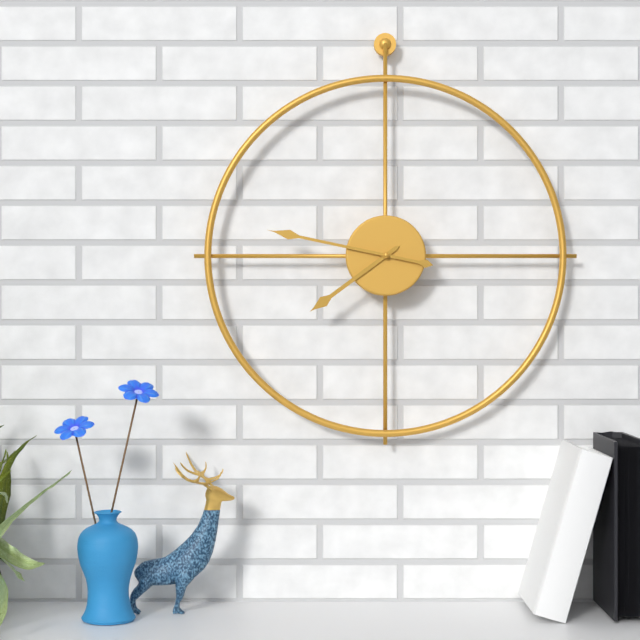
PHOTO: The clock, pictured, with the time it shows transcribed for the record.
7:47
